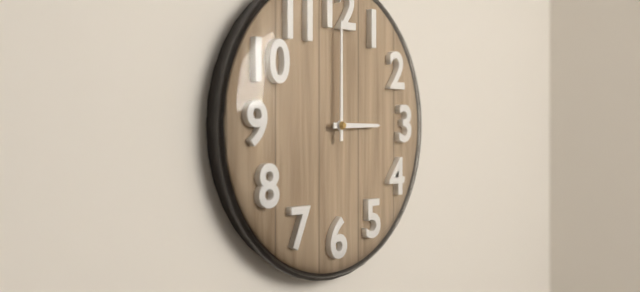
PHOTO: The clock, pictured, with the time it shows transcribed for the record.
3:00
